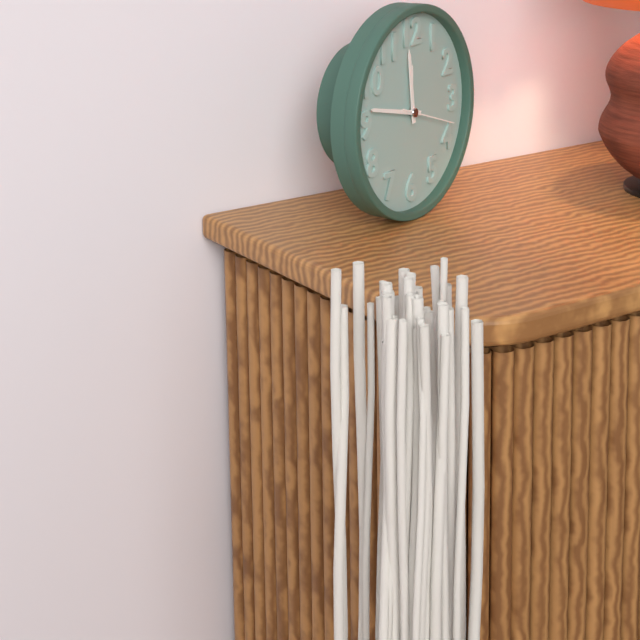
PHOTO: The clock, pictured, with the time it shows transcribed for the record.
11:47:18
